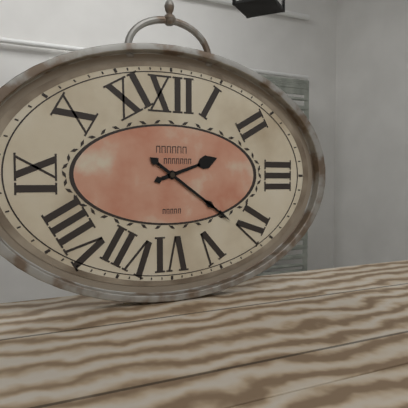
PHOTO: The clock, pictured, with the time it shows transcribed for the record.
2:21
